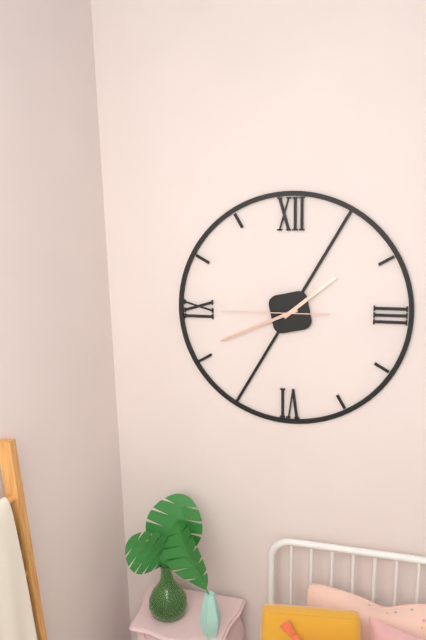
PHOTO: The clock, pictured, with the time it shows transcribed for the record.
1:41:45
